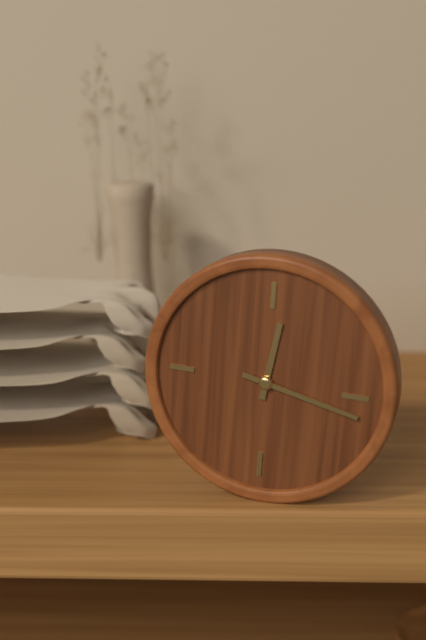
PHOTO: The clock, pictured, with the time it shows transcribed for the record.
12:17
